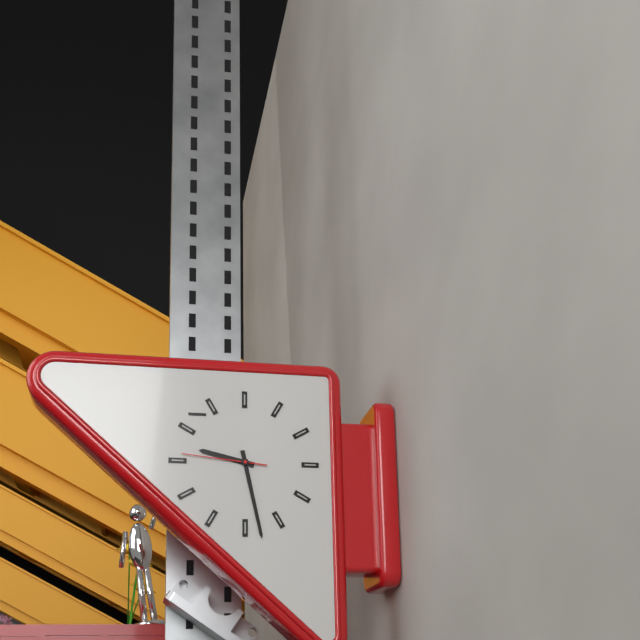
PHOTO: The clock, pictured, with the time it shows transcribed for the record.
9:28:46
